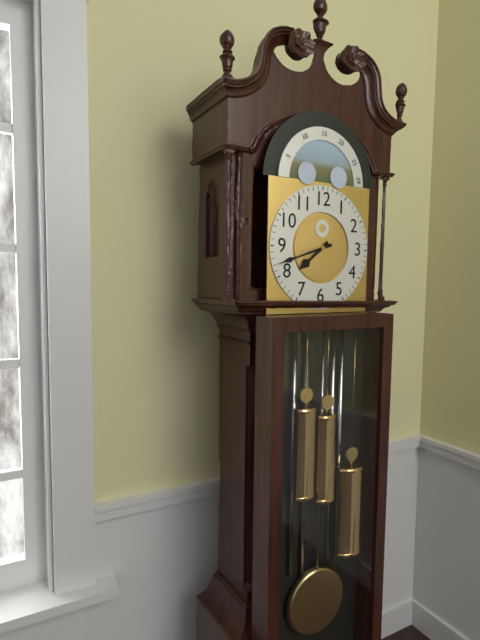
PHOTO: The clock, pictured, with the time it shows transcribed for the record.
7:42
